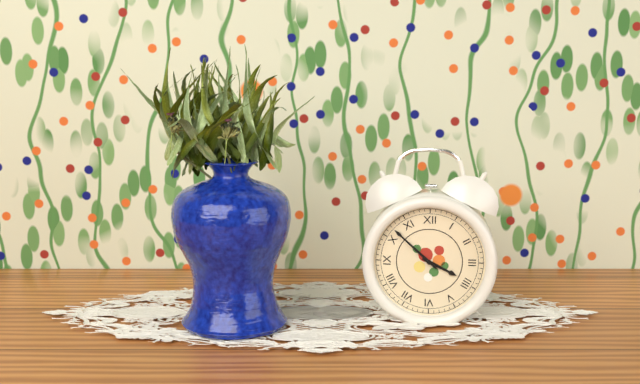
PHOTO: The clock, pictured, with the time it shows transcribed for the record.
3:52
